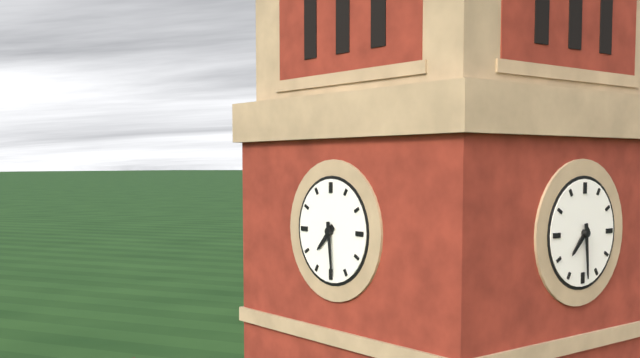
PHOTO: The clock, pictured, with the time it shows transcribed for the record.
7:29
